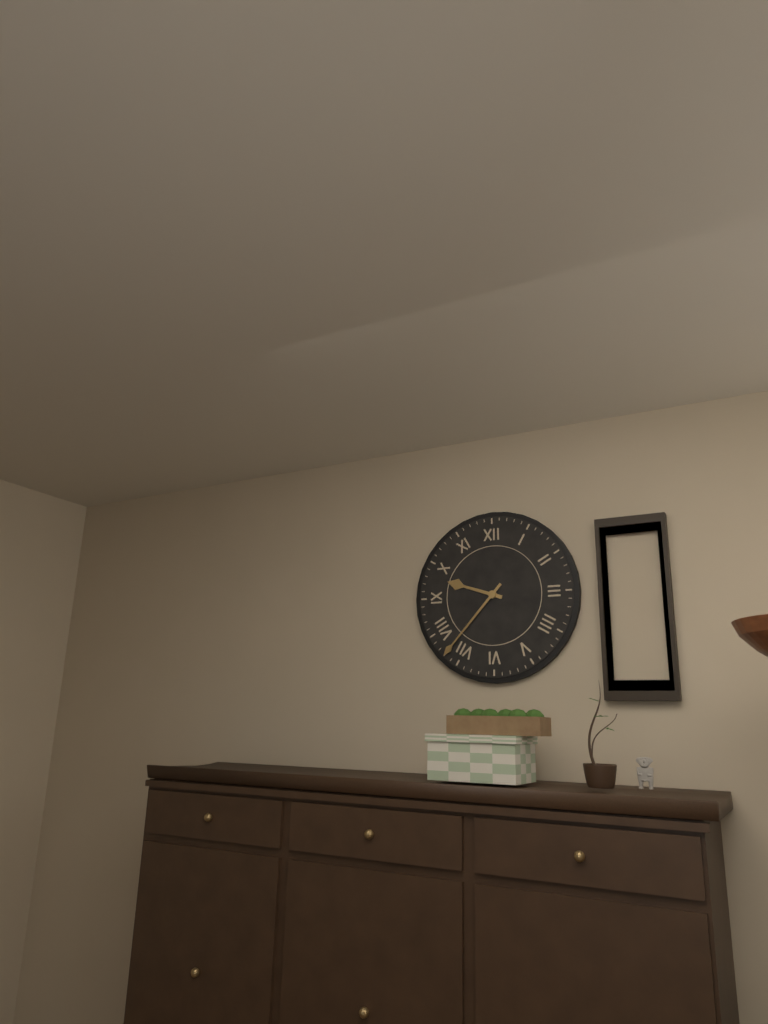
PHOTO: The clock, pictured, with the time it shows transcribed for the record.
9:37
